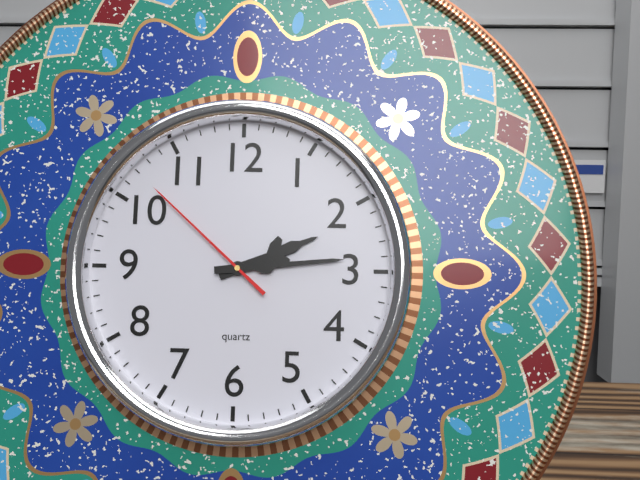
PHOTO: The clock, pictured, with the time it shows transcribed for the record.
2:14:52
